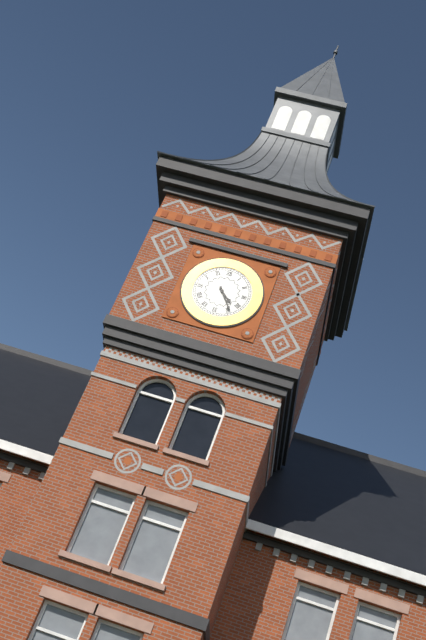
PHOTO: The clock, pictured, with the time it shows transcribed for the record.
4:24
